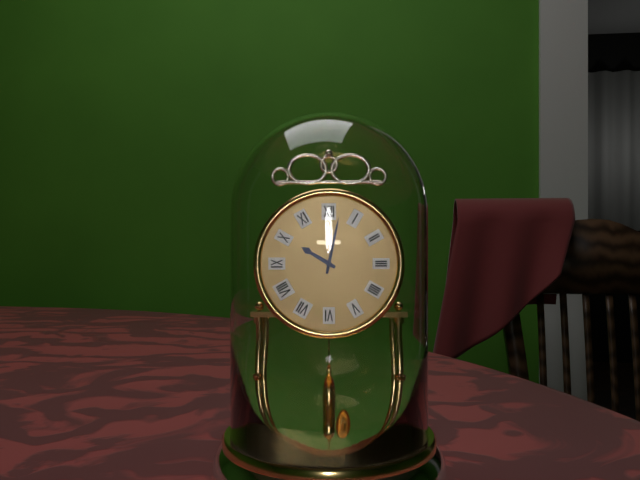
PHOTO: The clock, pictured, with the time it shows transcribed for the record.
10:02
